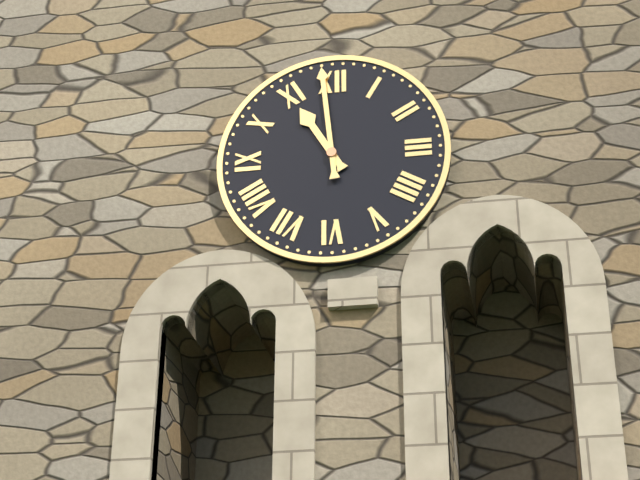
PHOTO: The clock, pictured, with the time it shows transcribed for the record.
10:59
